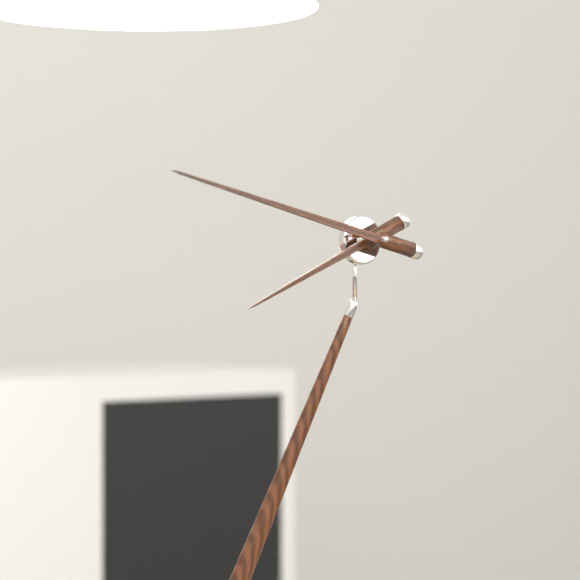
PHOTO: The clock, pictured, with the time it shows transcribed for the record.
7:45
